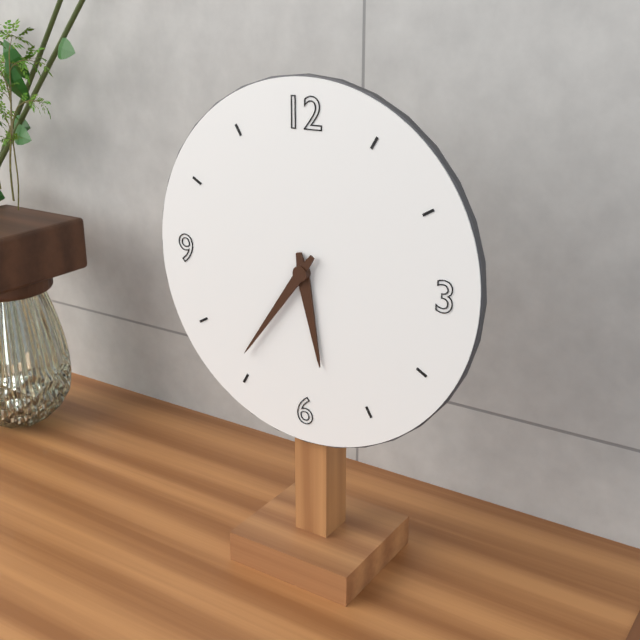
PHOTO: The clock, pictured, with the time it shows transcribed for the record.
5:36
